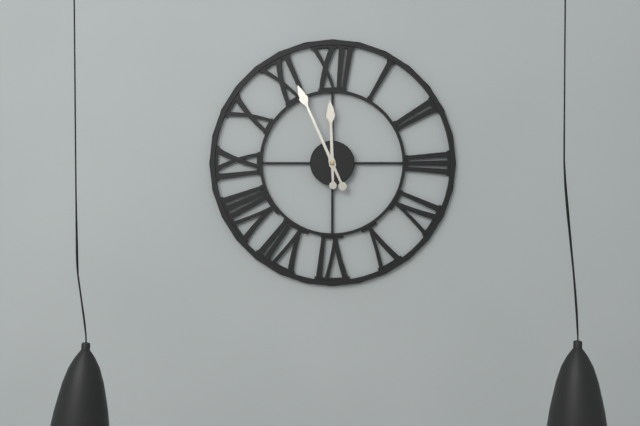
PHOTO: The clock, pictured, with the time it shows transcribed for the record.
11:56
